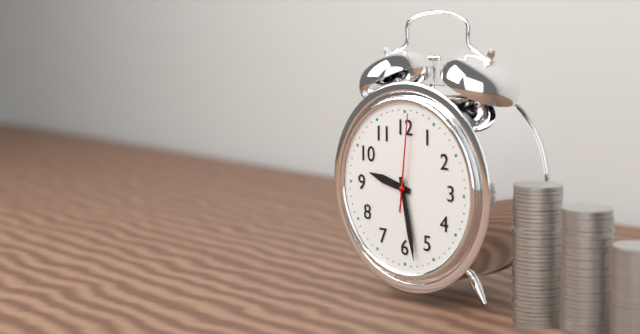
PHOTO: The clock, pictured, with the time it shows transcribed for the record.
9:28:01
